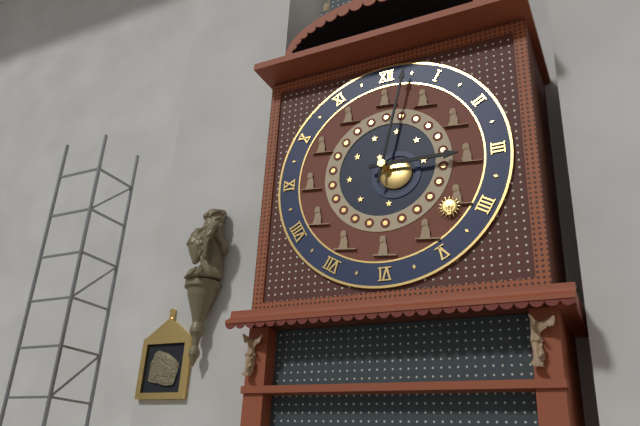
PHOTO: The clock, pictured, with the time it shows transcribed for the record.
3:02
